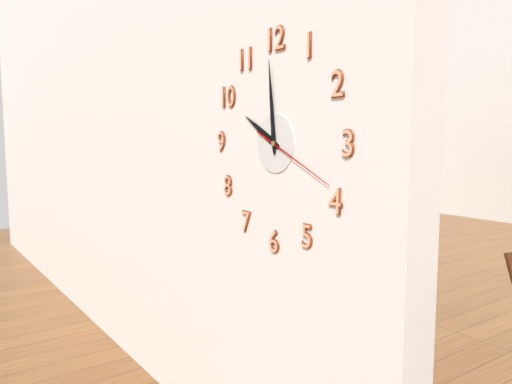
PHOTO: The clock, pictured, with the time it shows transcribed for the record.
9:59:19
